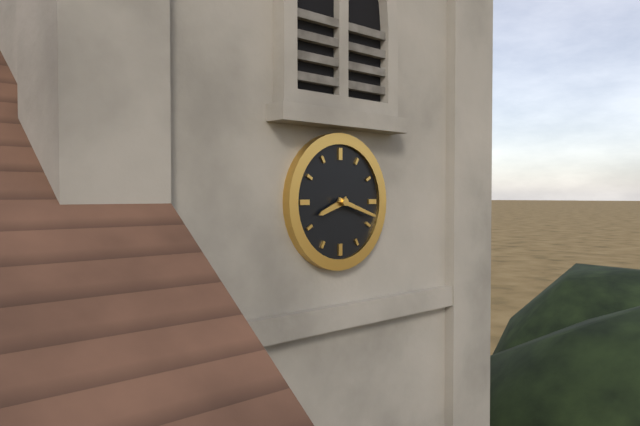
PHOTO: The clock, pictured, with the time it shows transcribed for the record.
8:18
